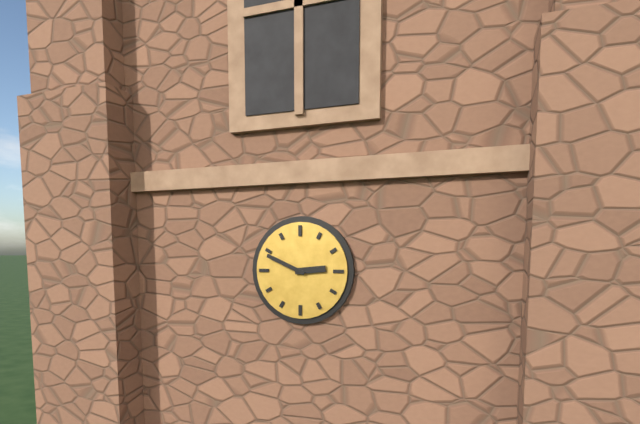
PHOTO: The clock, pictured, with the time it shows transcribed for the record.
2:49
